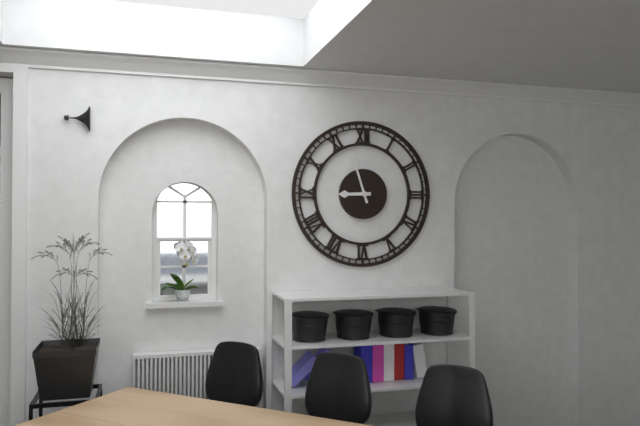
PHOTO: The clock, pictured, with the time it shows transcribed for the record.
8:57
